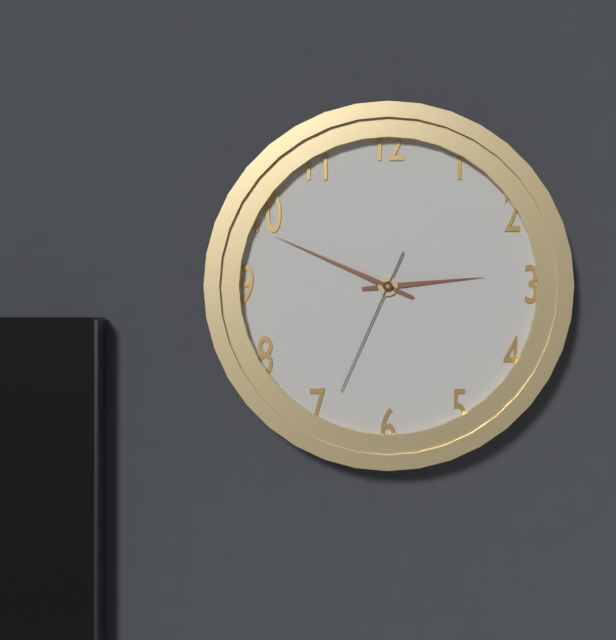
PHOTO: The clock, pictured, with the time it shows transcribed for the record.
2:49:34
